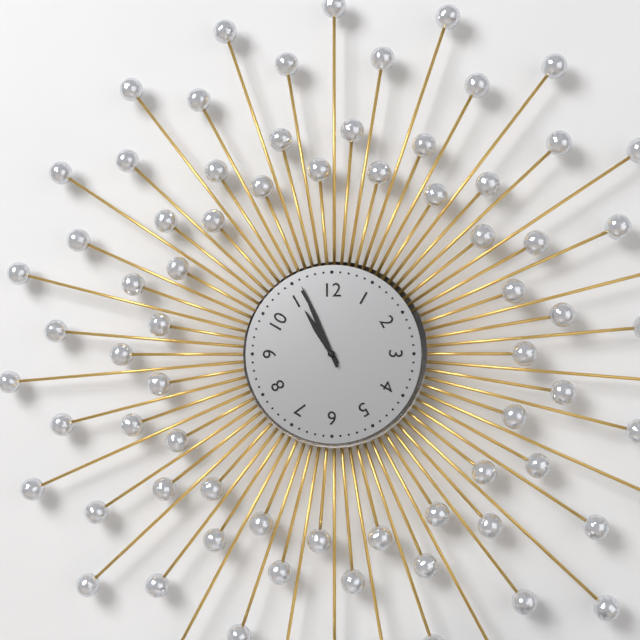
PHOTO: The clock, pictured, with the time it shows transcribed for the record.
10:56
